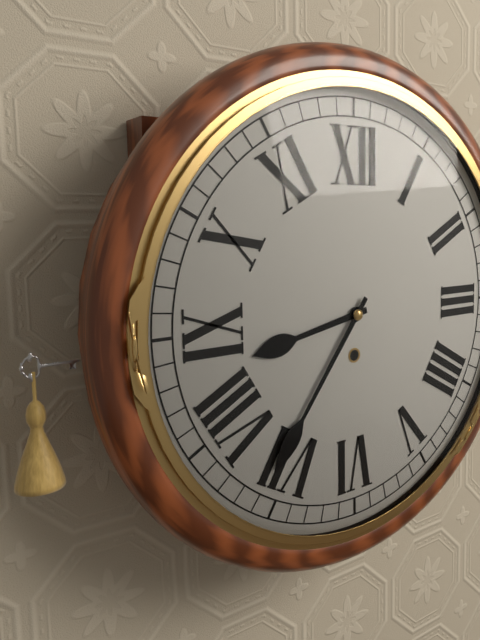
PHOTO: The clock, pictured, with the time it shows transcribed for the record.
8:36
